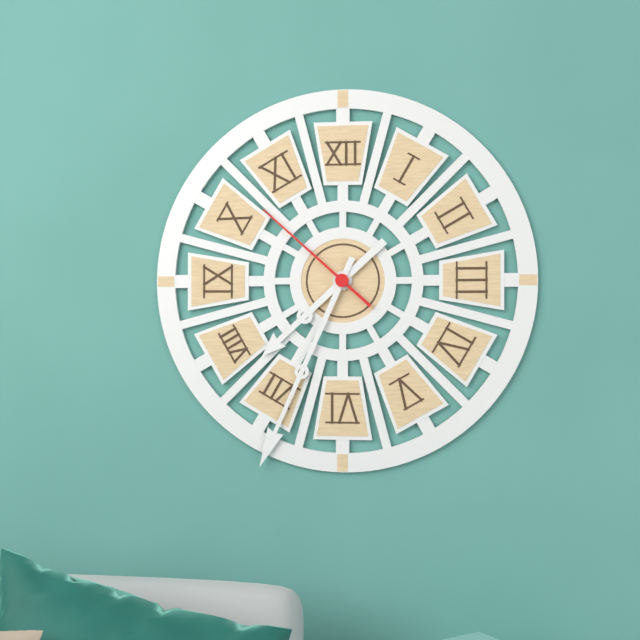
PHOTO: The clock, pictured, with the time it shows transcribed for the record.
7:34:52
